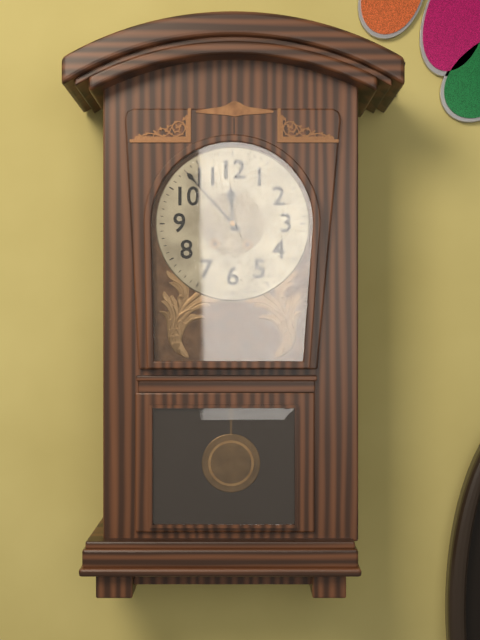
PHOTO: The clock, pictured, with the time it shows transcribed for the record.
11:53
